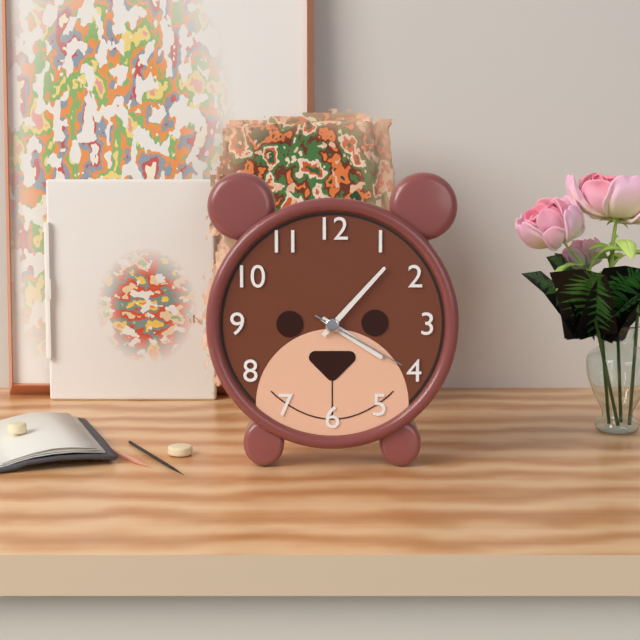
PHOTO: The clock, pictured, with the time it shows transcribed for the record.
4:07:20
